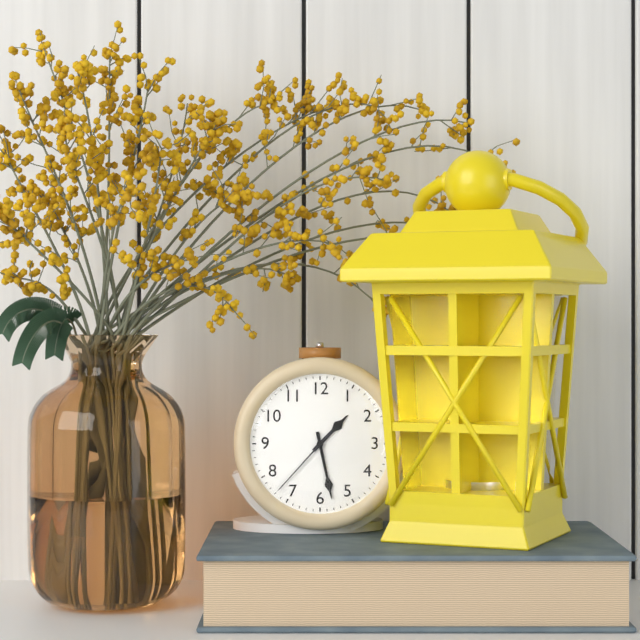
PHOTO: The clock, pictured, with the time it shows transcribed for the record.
1:28:37
